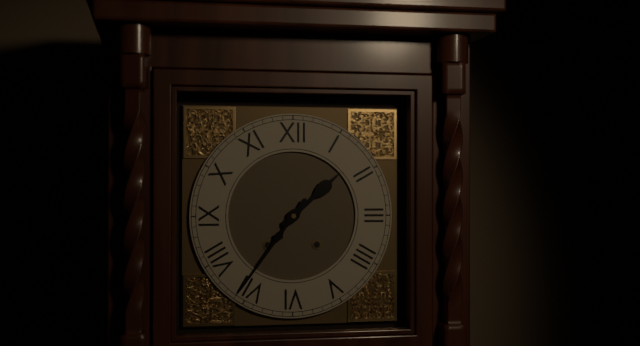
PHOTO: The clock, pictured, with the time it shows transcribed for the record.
1:36
